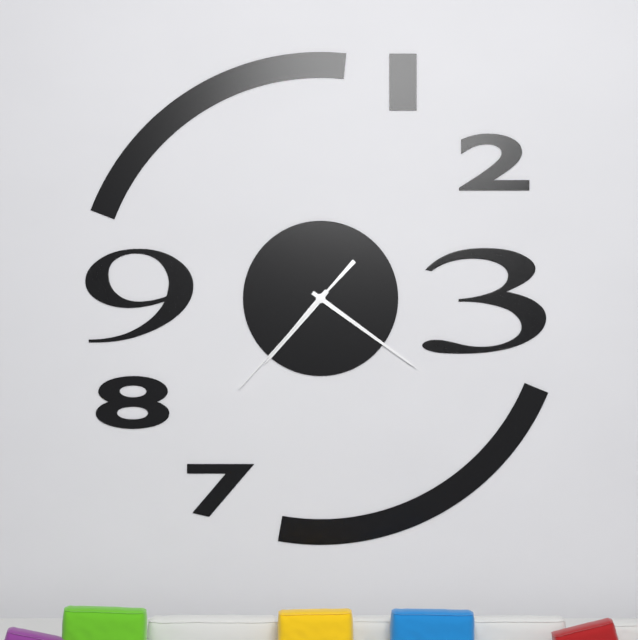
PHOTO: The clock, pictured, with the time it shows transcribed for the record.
7:21:37
